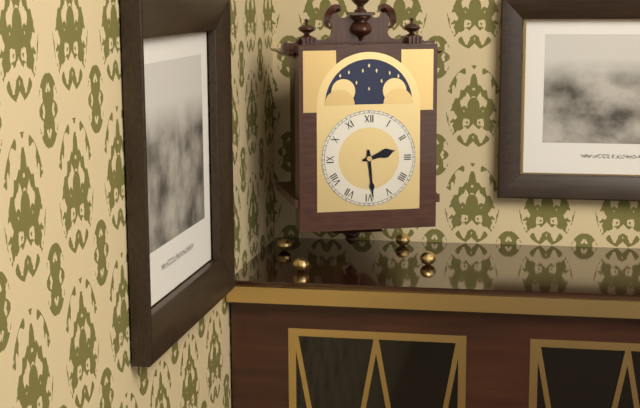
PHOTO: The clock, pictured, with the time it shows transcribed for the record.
2:29
